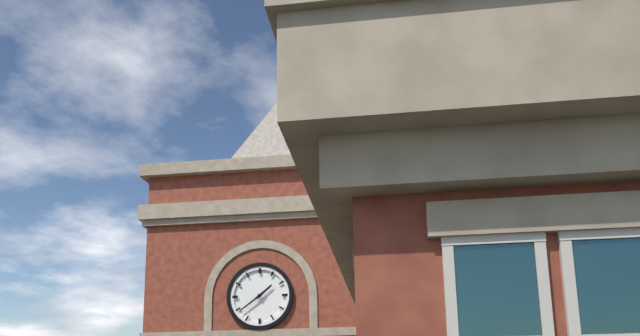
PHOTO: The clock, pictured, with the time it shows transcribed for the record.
1:39
